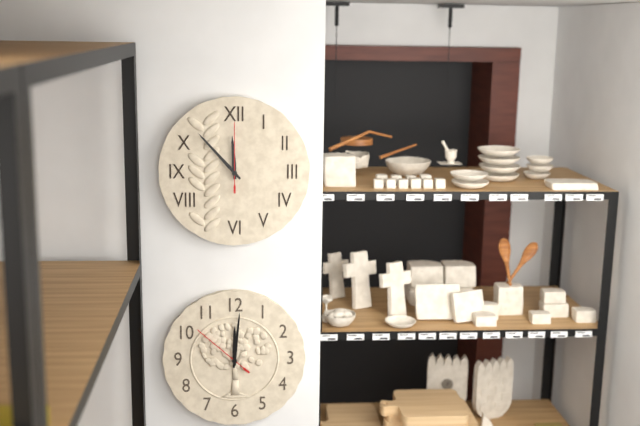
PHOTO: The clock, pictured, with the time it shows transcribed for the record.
11:53:00
